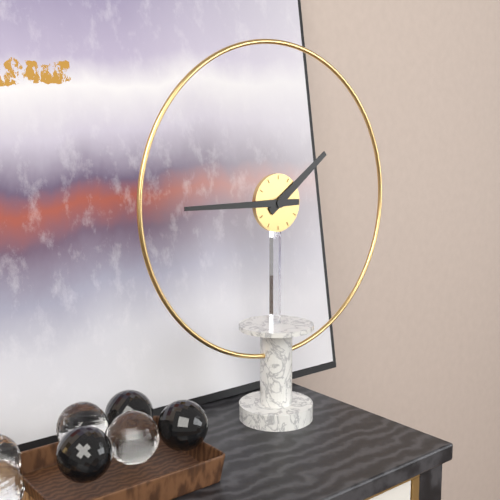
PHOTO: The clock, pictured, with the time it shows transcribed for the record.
1:45
